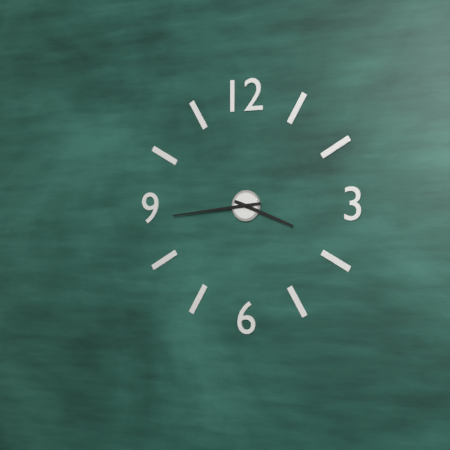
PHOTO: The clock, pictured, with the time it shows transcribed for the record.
3:44
